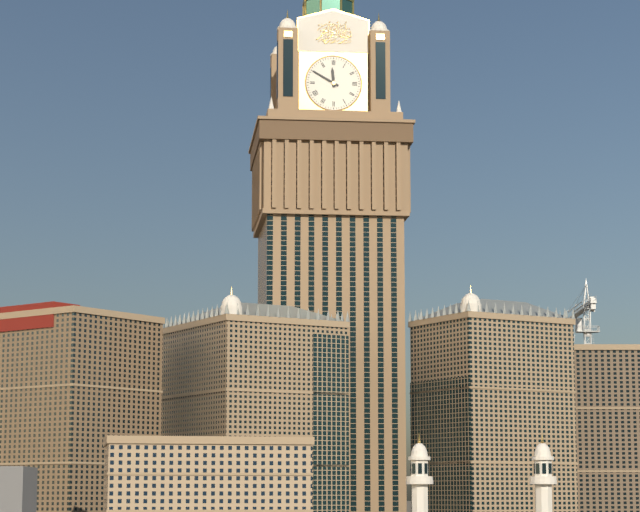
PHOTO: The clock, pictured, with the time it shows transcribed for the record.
11:50
